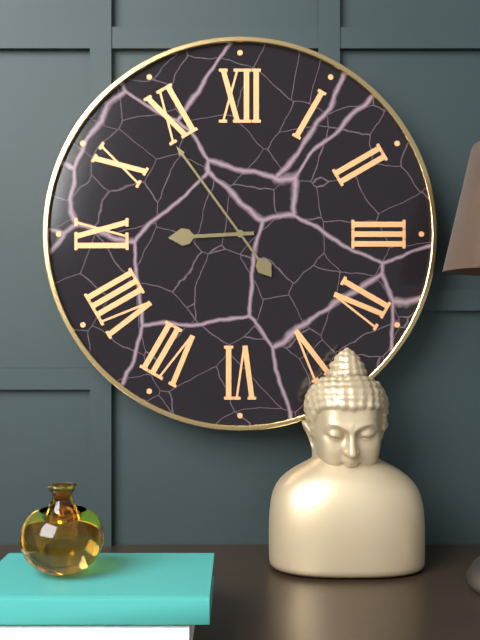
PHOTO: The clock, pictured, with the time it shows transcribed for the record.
8:54
